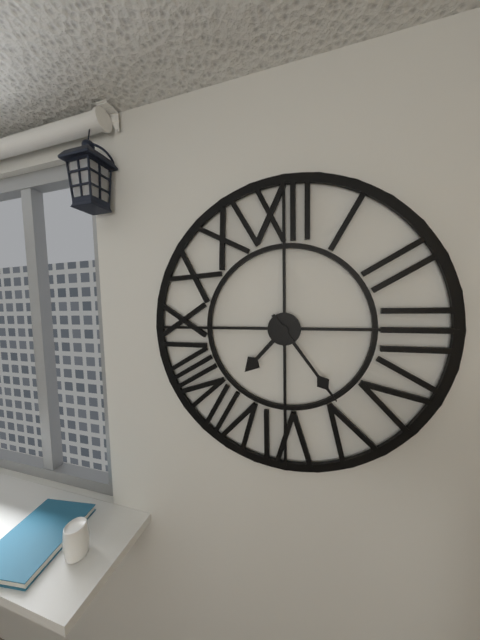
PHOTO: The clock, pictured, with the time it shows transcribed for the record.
7:24
